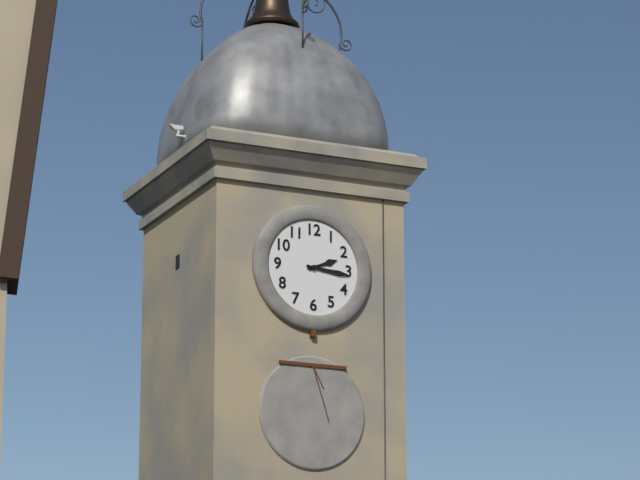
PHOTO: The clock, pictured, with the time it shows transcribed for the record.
2:16
